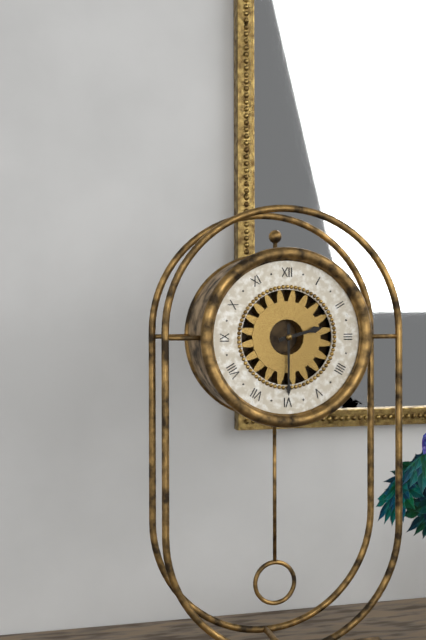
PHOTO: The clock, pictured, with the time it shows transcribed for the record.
2:30
